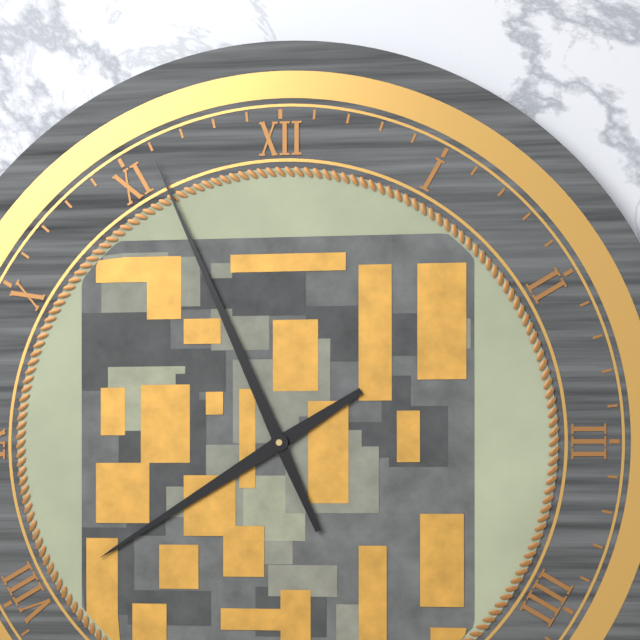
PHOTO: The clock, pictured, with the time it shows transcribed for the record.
7:56
